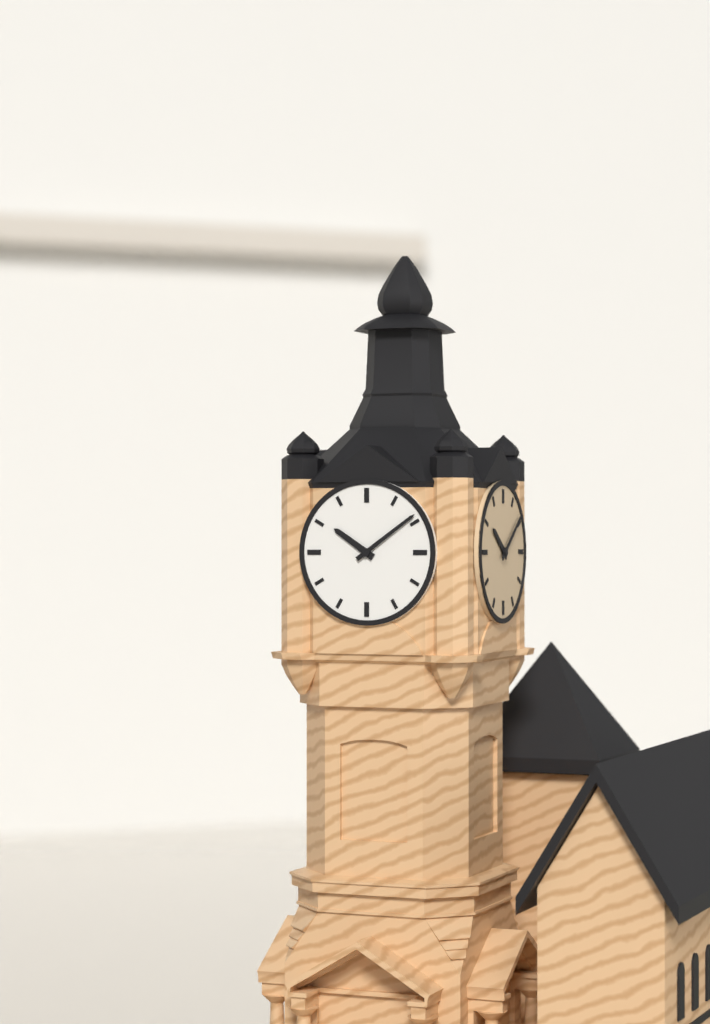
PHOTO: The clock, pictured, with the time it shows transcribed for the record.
10:09
